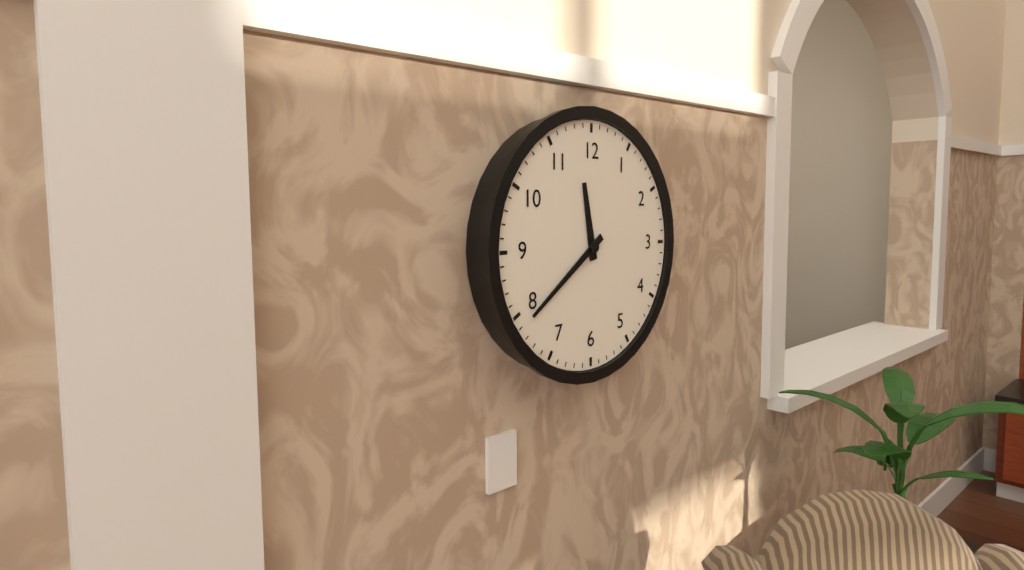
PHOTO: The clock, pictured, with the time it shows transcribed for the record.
11:39
